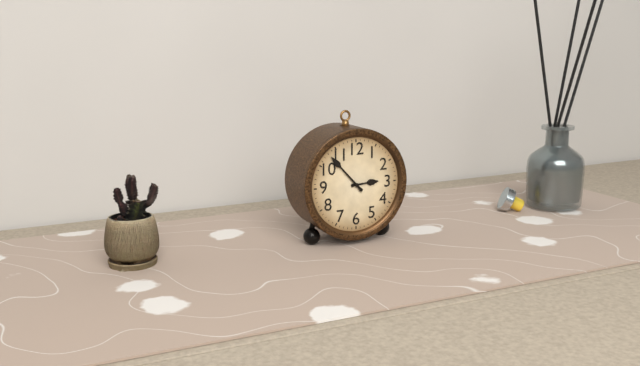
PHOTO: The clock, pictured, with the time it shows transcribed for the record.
2:53
